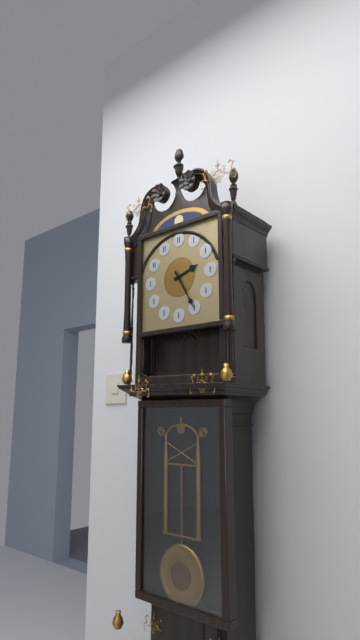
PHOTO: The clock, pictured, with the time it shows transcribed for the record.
2:25
